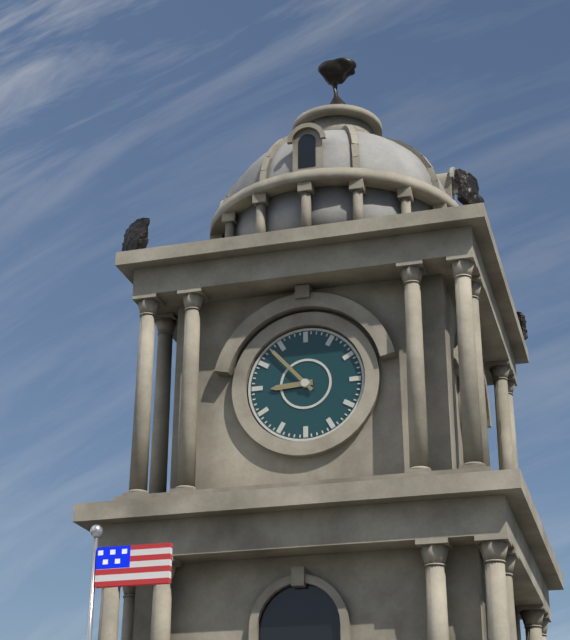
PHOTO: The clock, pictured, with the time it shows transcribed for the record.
8:53
